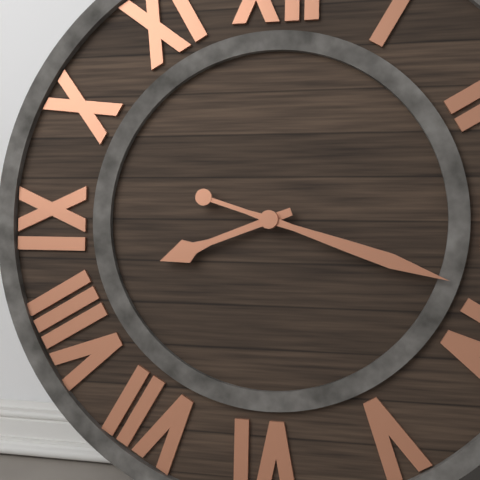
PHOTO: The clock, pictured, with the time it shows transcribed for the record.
8:18
